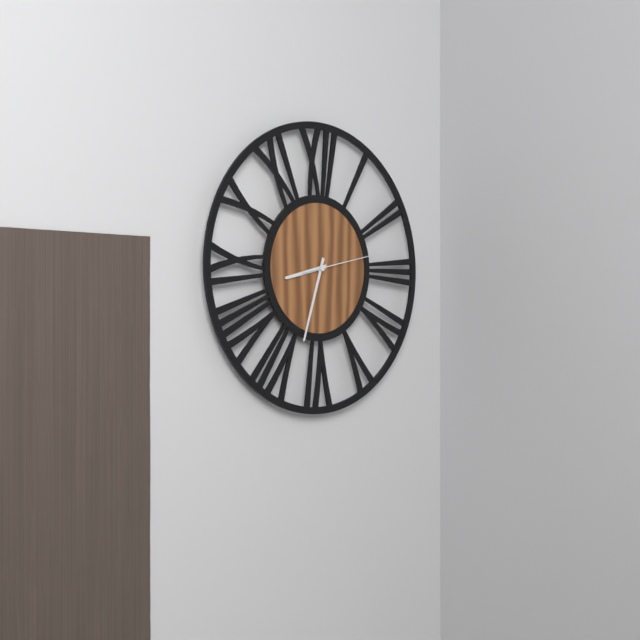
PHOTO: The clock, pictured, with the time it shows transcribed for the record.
8:33:13
